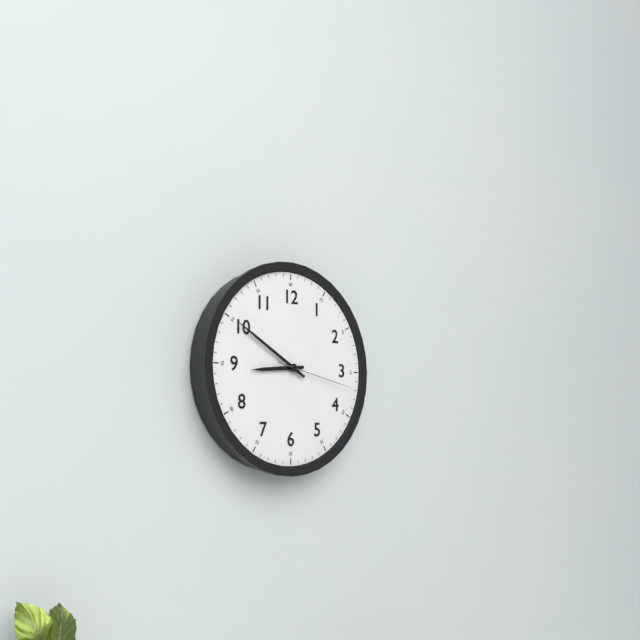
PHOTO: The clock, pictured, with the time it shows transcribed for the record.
8:50:17
